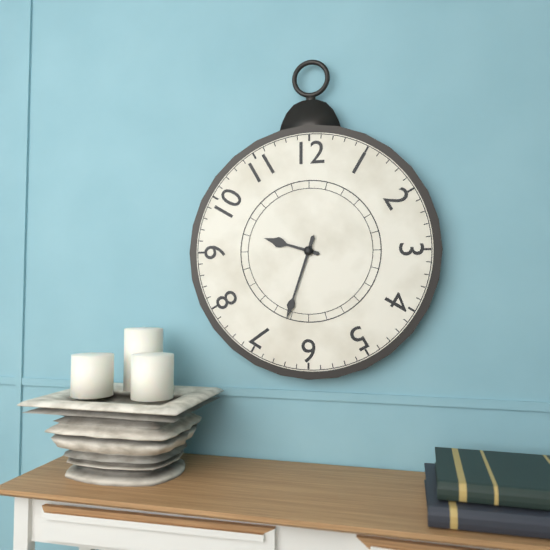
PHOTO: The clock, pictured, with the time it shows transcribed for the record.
9:33
